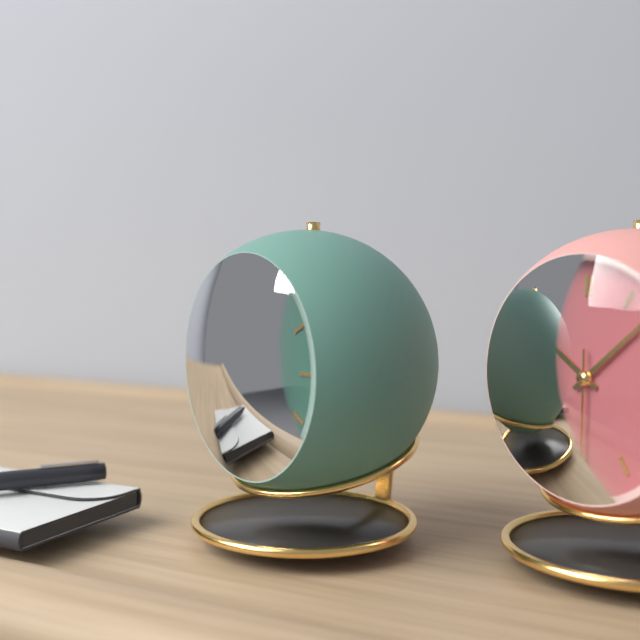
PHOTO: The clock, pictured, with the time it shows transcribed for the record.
9:03:20
